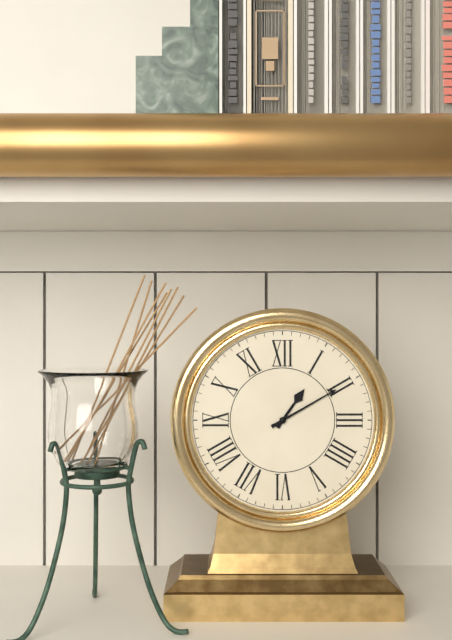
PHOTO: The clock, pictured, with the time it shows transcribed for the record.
1:10
